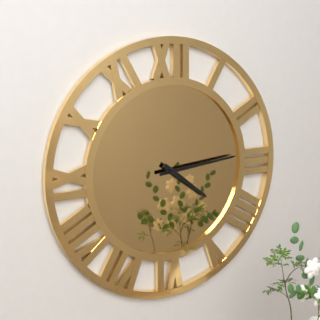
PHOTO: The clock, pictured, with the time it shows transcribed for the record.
4:14
